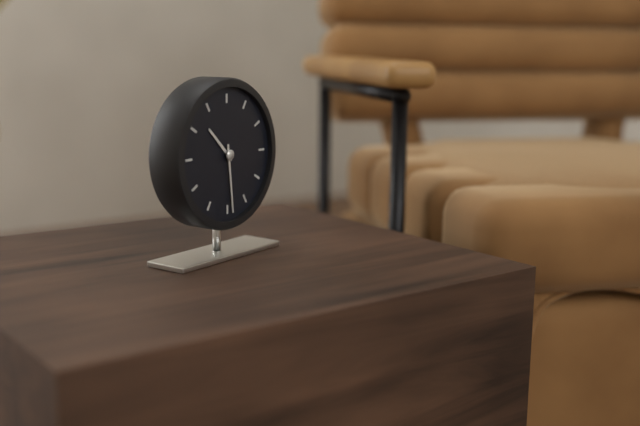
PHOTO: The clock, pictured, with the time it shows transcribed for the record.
10:29
